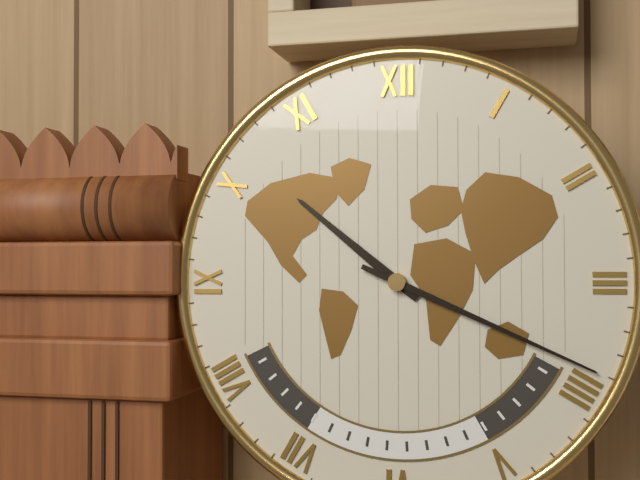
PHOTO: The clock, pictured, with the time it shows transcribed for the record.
10:19
